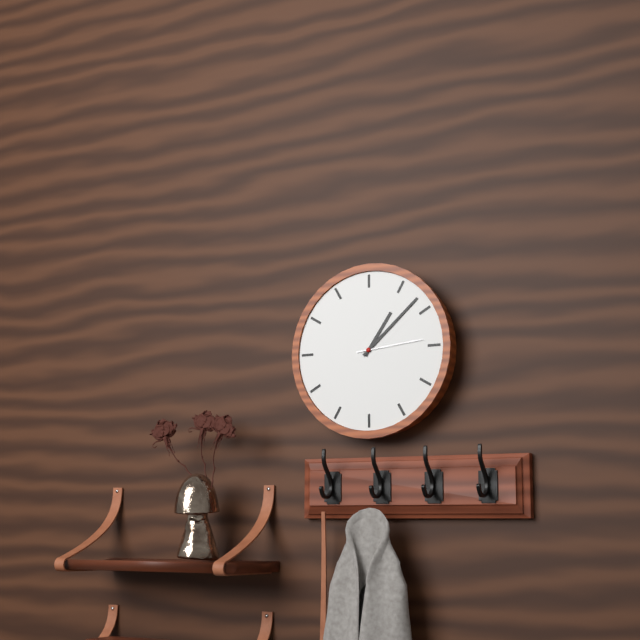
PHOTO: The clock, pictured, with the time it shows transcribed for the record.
1:08:14
